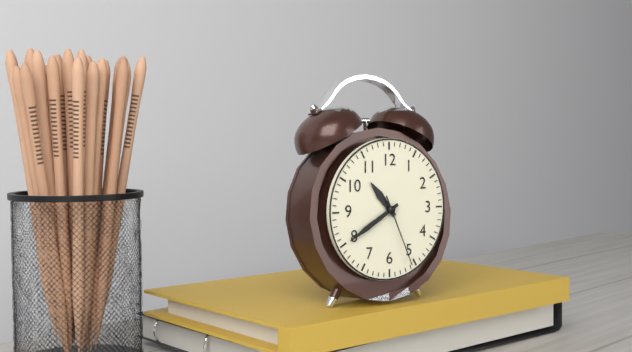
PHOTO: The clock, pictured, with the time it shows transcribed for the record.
10:40:26
